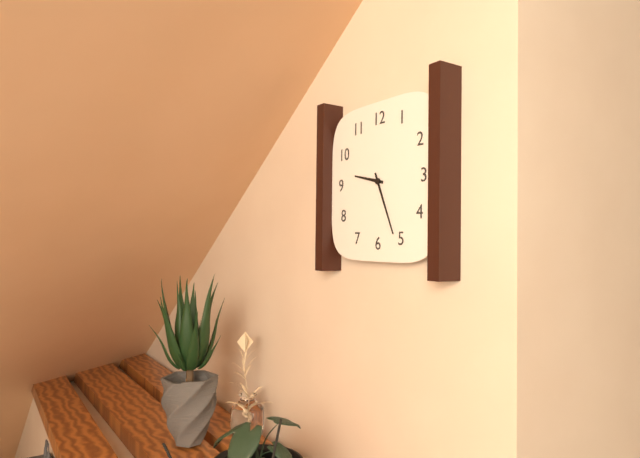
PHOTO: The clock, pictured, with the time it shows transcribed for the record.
9:26
